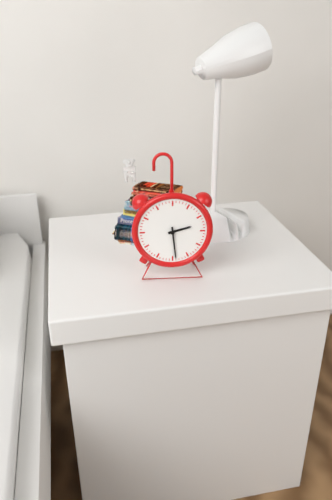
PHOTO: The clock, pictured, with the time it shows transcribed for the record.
2:29
